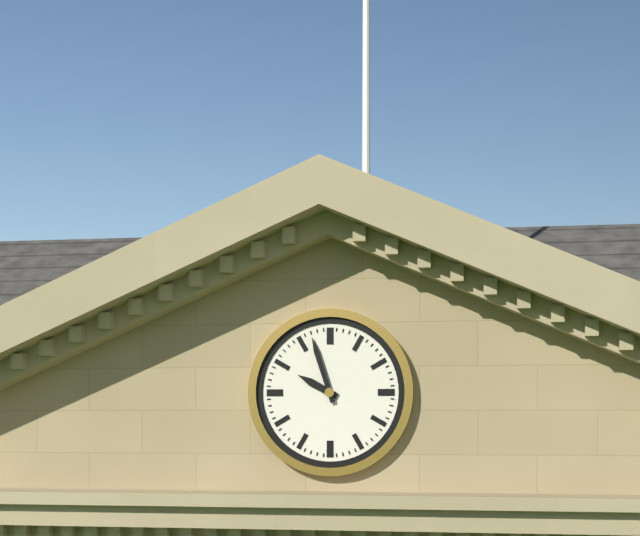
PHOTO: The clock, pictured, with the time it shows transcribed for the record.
9:57
